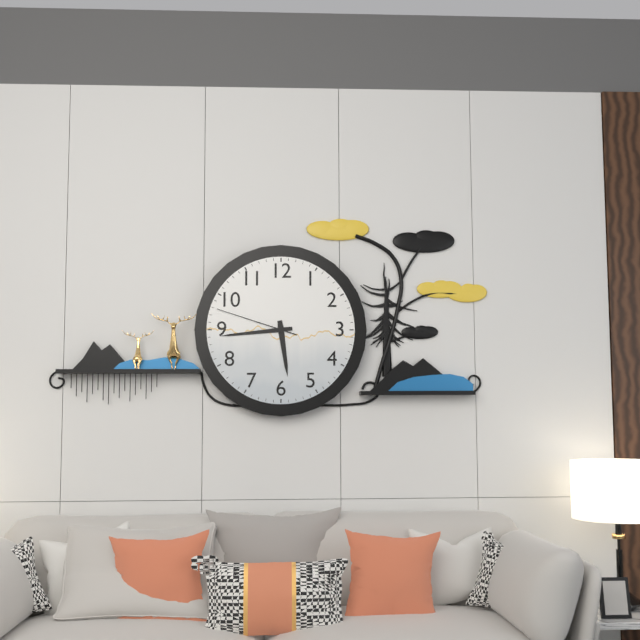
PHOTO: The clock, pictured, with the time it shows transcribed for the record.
5:44:48
